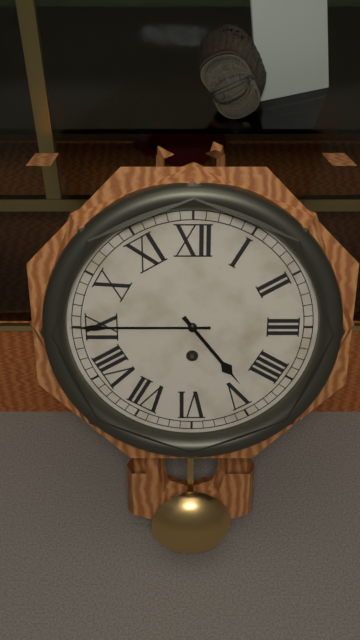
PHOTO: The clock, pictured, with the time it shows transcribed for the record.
4:45
